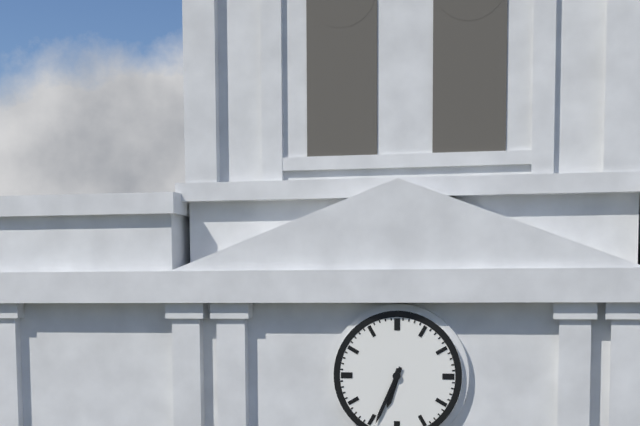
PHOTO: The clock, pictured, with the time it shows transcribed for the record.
6:34
